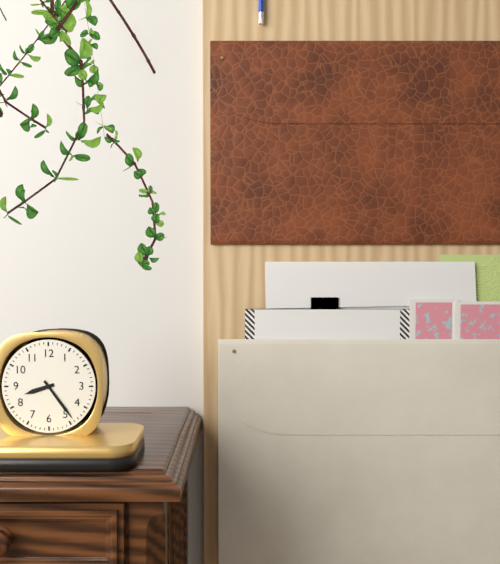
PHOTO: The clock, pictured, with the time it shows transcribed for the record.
8:24
